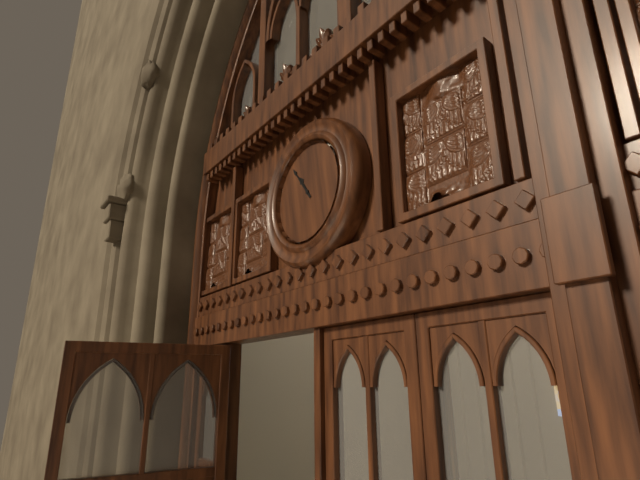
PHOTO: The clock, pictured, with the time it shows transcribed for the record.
10:54
